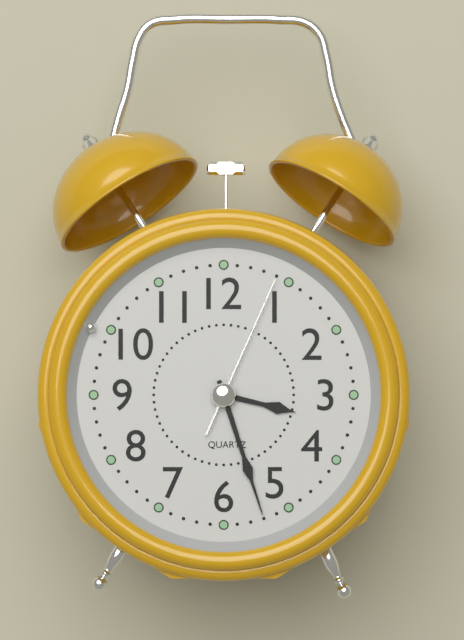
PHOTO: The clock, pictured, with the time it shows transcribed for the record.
3:27:04
